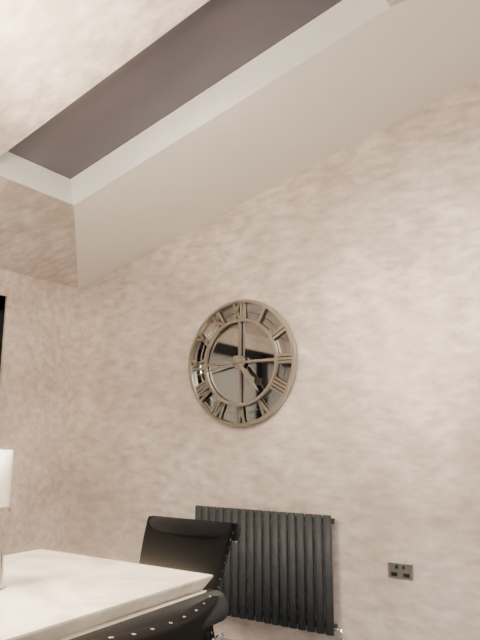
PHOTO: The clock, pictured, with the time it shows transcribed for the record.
4:43
